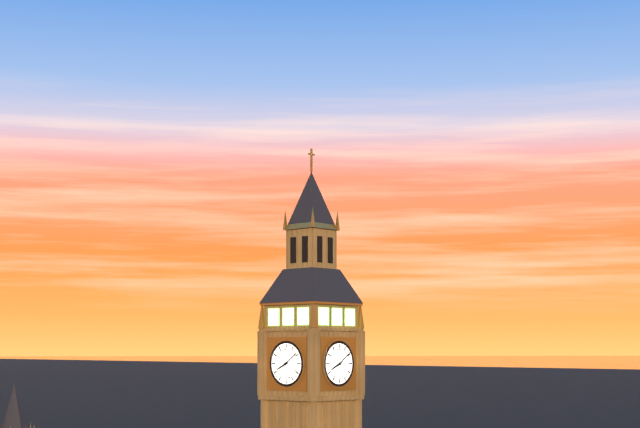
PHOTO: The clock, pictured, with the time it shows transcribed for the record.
8:09
